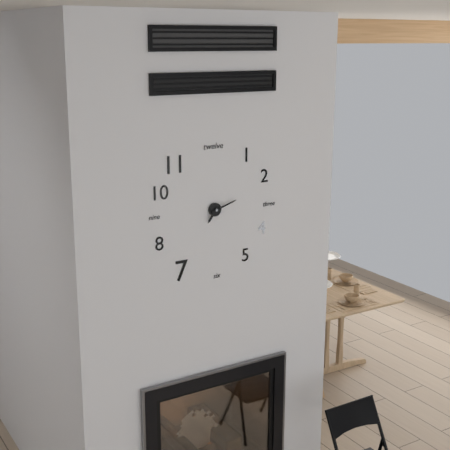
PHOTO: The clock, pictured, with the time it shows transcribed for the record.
7:12
